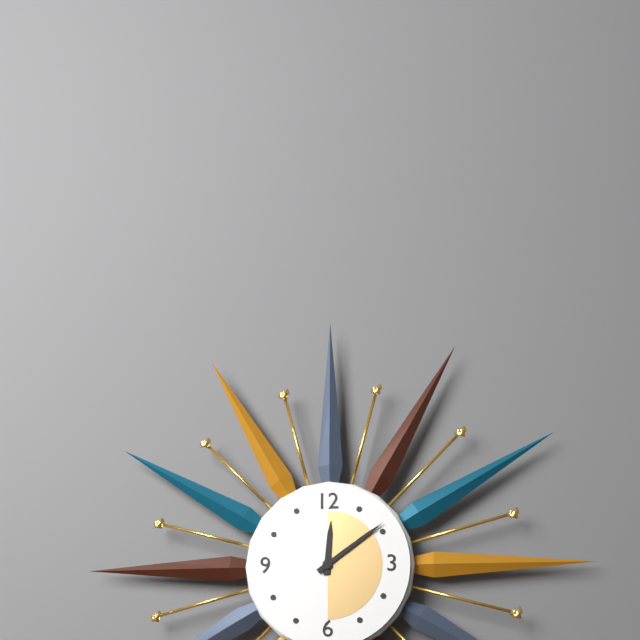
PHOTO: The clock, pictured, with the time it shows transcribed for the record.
12:09
